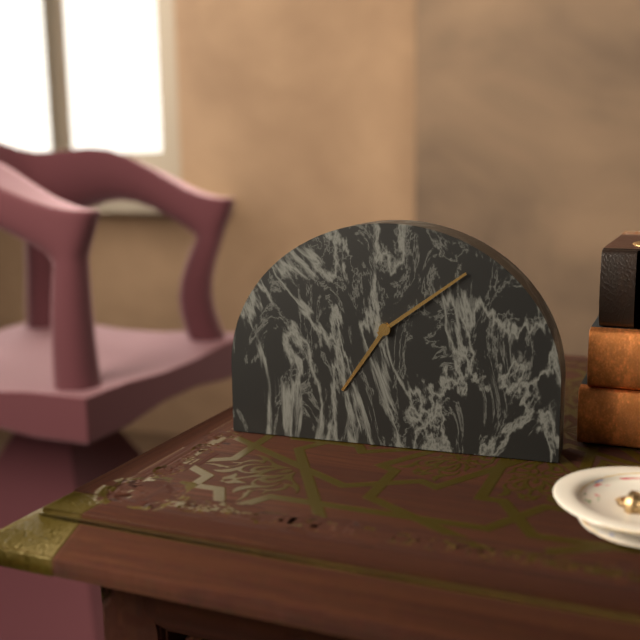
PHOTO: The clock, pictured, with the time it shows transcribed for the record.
7:09
